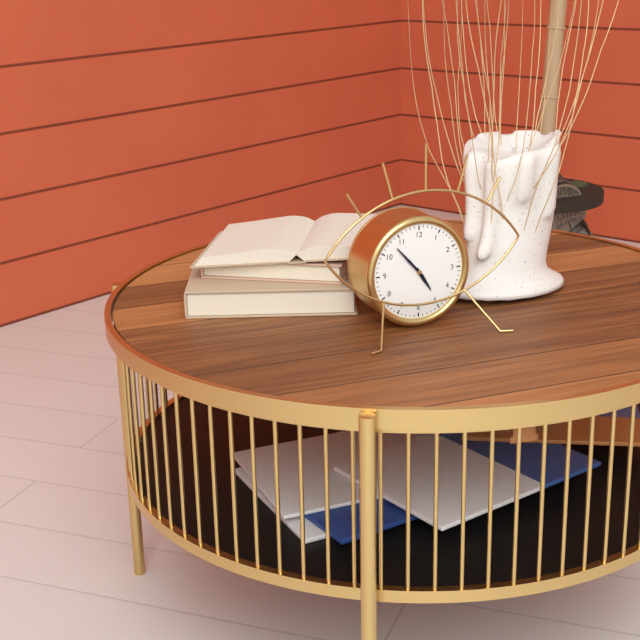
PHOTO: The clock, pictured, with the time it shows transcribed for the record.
4:53
